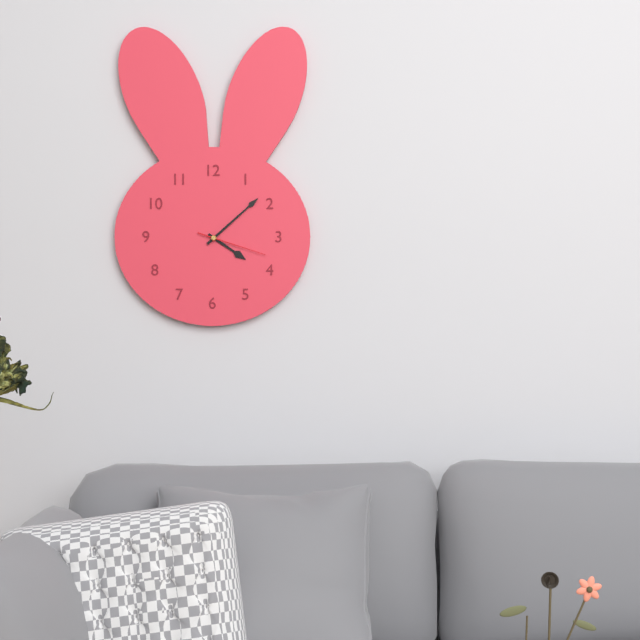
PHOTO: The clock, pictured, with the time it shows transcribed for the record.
4:08:18
